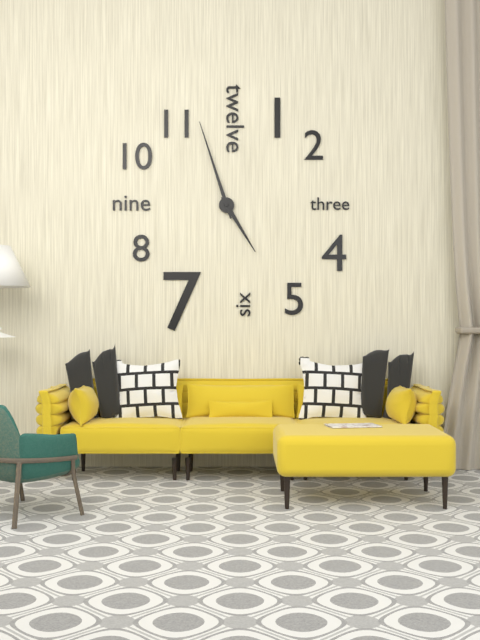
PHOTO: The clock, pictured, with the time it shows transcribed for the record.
4:57
